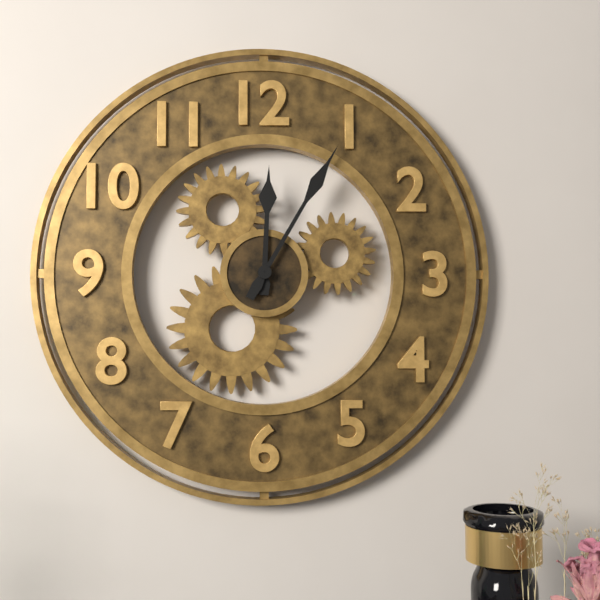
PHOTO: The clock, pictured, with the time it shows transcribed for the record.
12:05
